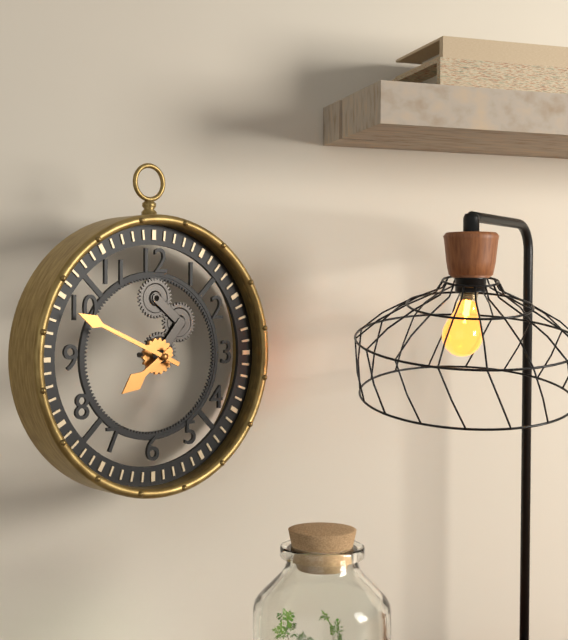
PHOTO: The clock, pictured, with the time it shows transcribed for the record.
7:49
